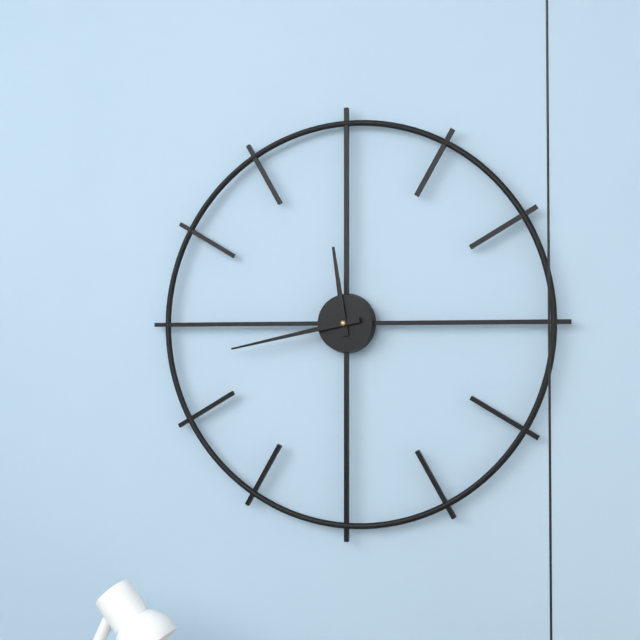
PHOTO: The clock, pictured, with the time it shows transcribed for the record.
11:43
